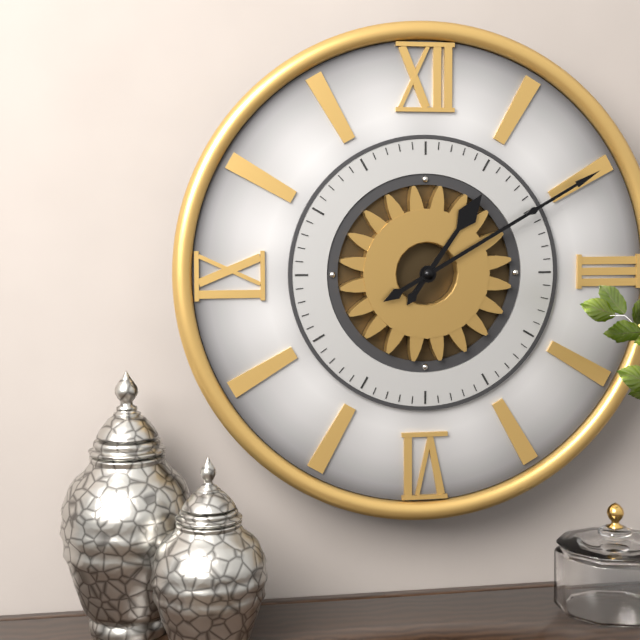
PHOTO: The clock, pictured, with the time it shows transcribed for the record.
1:10
